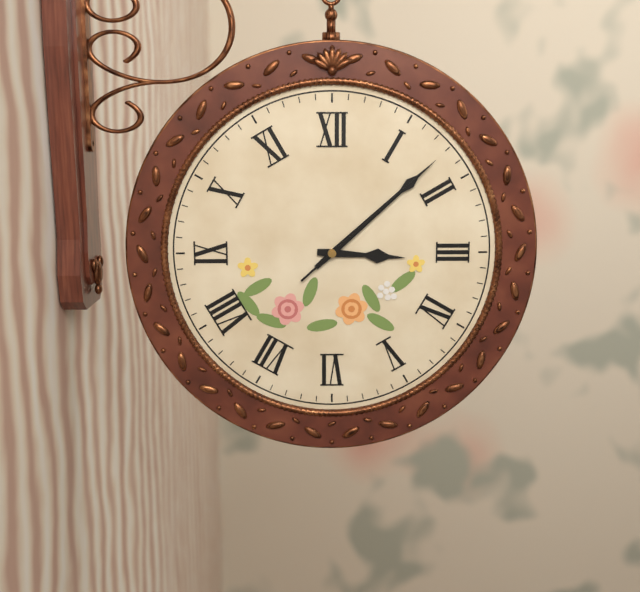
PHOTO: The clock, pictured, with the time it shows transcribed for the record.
3:08:08
